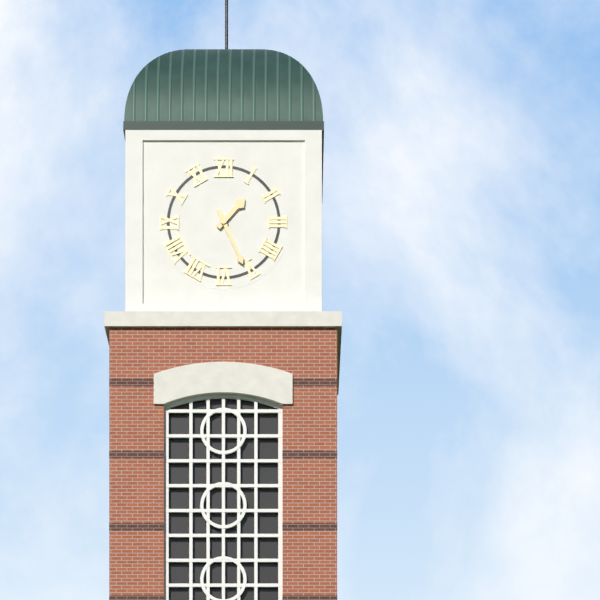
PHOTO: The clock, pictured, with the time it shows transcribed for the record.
1:26
